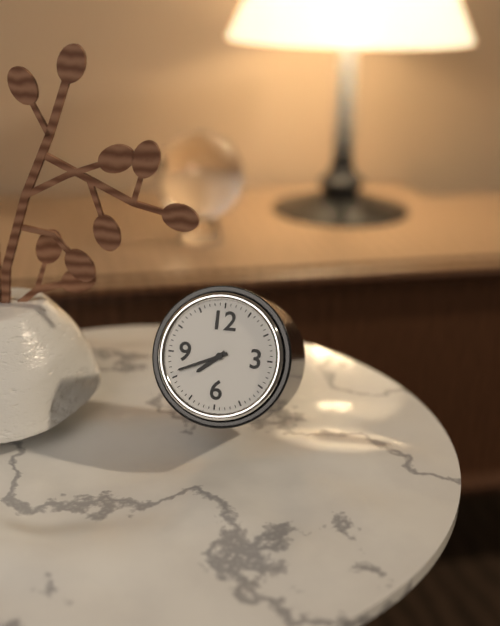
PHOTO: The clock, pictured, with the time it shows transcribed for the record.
7:41
